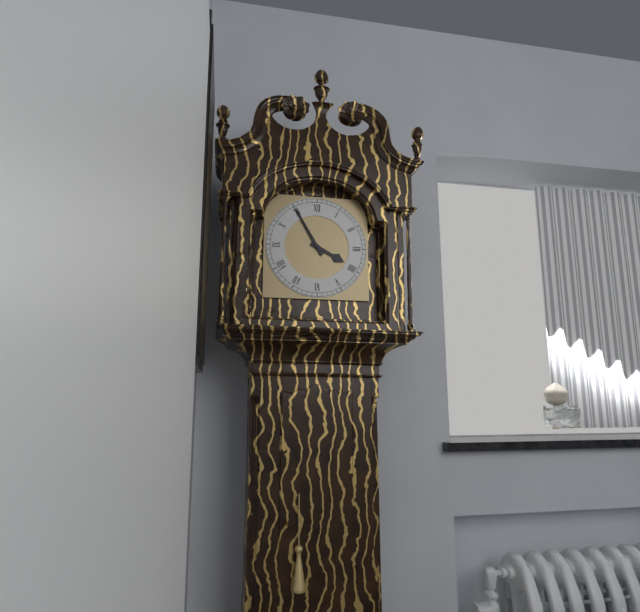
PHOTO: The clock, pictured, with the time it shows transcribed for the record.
3:55
